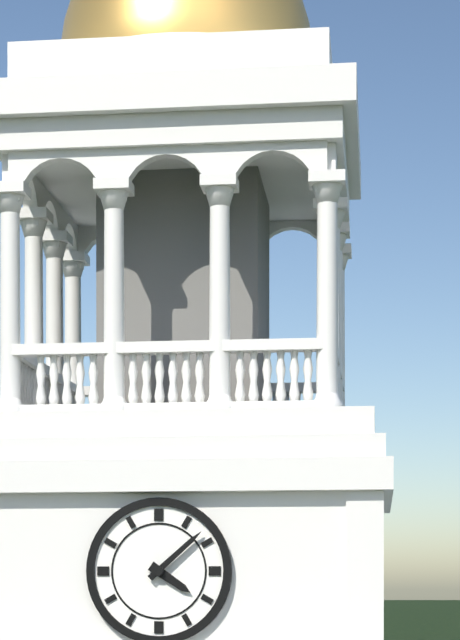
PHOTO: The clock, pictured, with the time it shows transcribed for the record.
4:08
